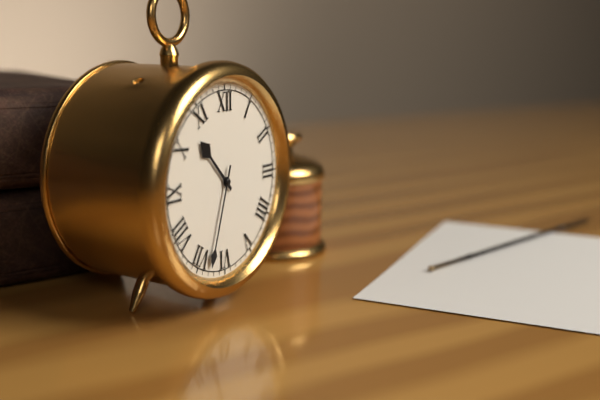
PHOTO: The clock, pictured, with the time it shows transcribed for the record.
10:33
